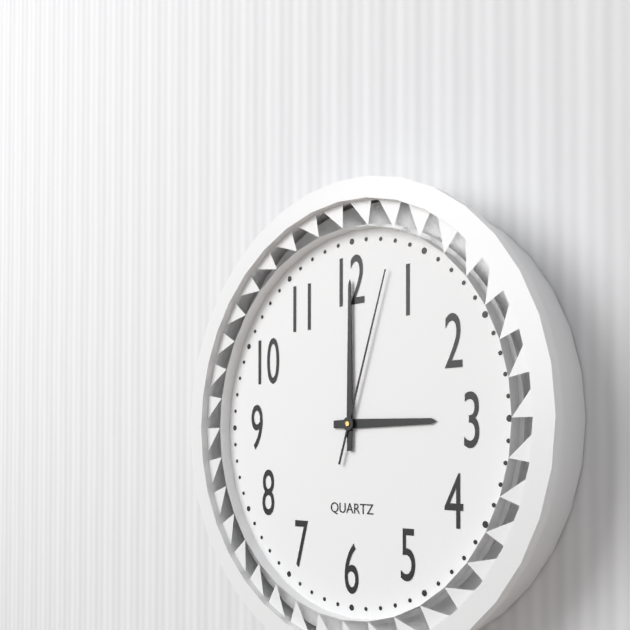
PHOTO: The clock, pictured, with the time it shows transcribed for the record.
3:00:03
